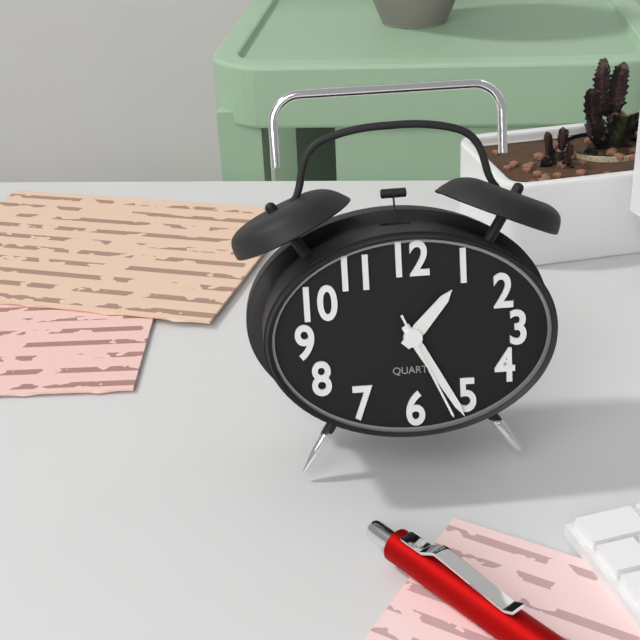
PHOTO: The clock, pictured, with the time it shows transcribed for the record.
1:25:26
